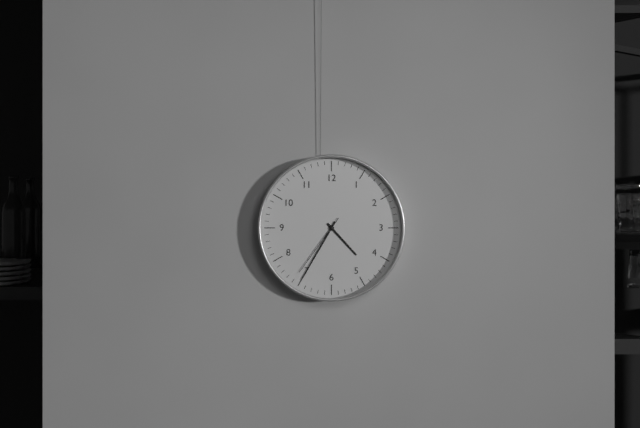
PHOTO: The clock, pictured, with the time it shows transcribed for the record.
4:35:36
